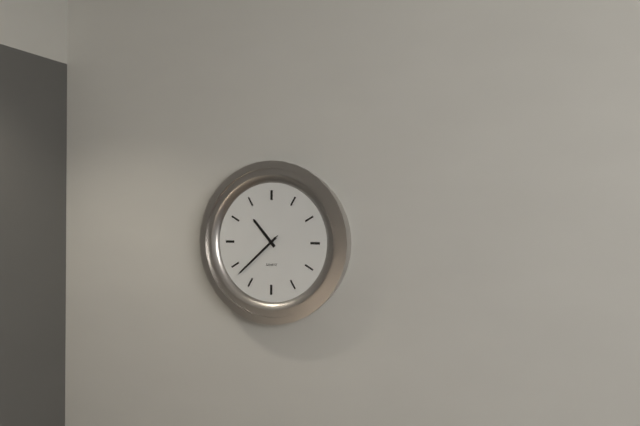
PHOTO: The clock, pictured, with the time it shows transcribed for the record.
10:38:38
